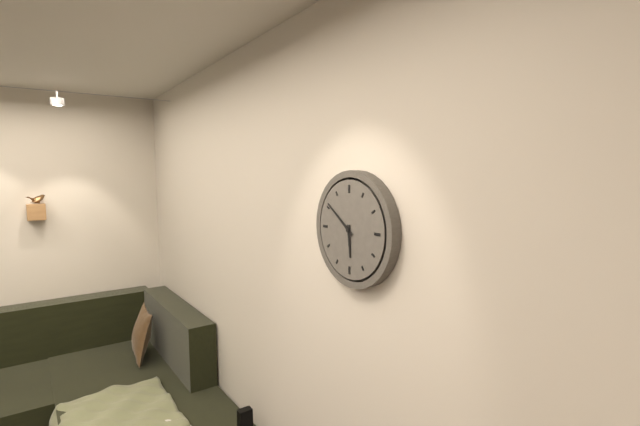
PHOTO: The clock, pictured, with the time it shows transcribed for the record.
5:51
